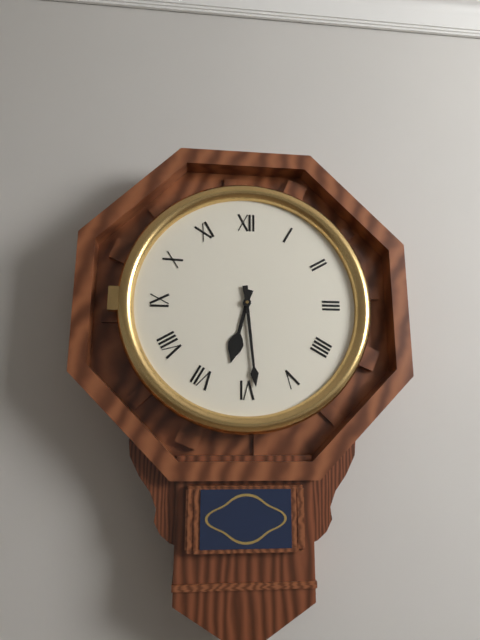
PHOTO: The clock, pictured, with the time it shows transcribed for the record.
6:29
